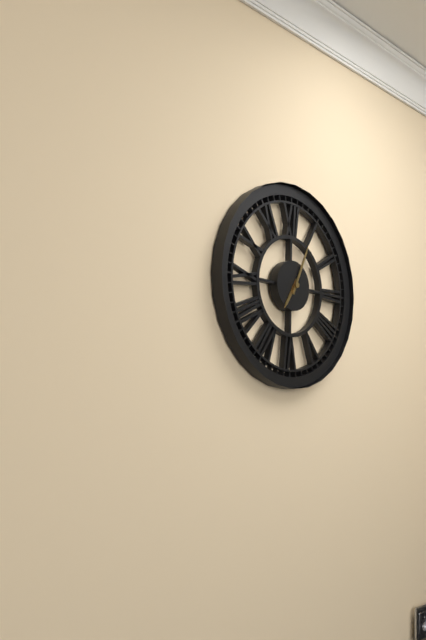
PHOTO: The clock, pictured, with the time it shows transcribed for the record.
7:04
